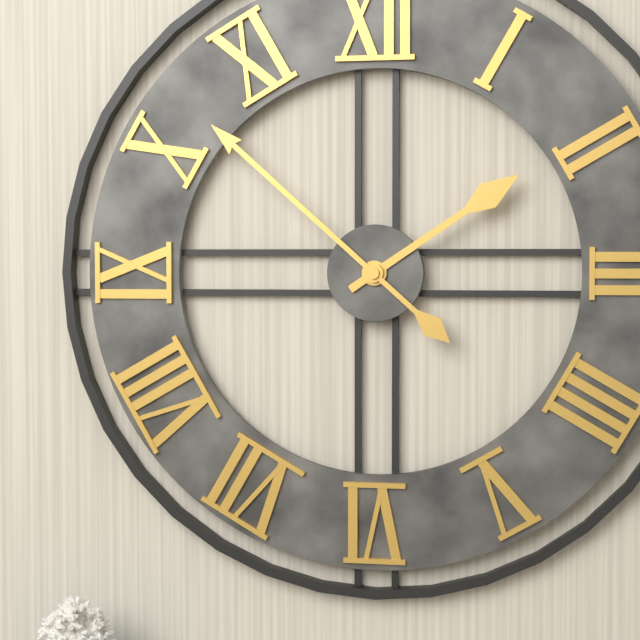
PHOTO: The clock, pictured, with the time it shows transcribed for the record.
1:52
